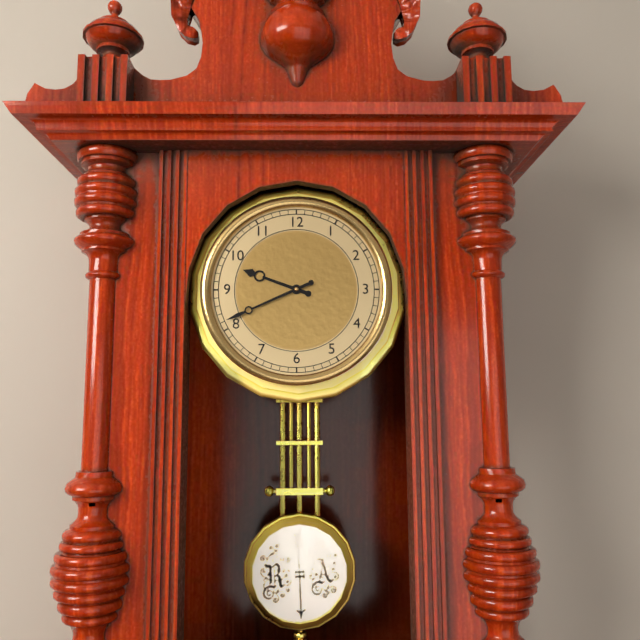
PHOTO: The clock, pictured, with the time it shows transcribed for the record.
9:41
